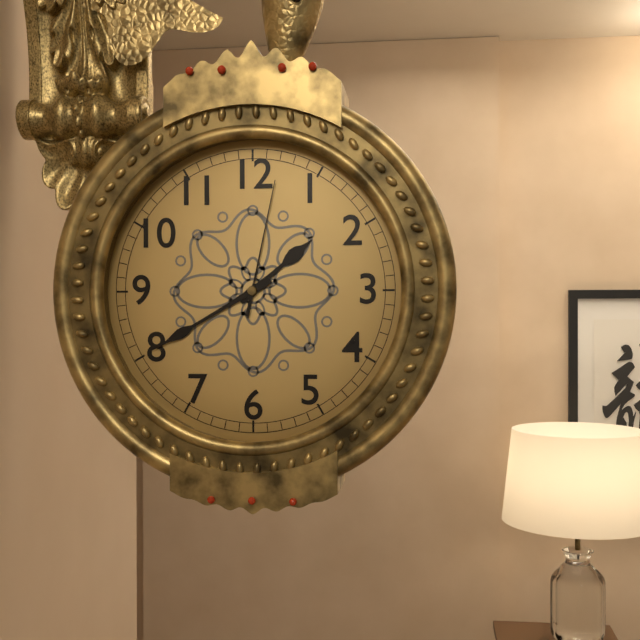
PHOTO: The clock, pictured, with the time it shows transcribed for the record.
1:40:02
